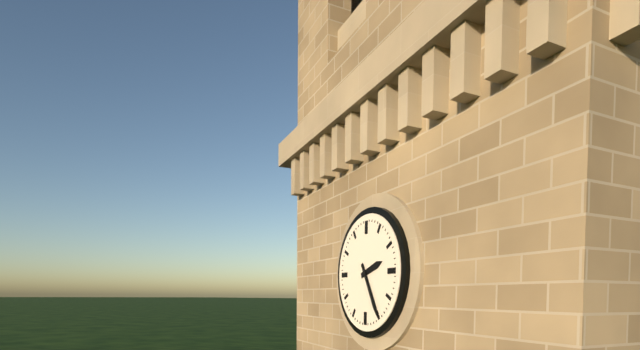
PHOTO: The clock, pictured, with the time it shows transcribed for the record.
2:25
